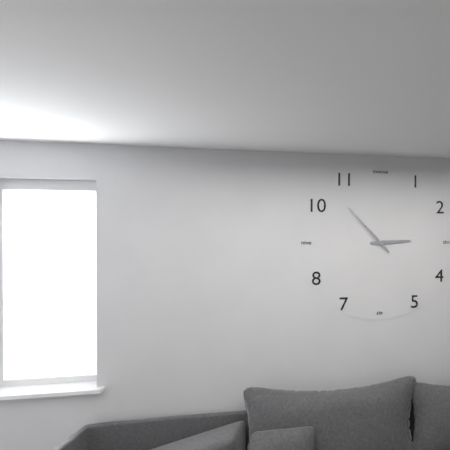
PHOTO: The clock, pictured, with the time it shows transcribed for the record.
2:53
